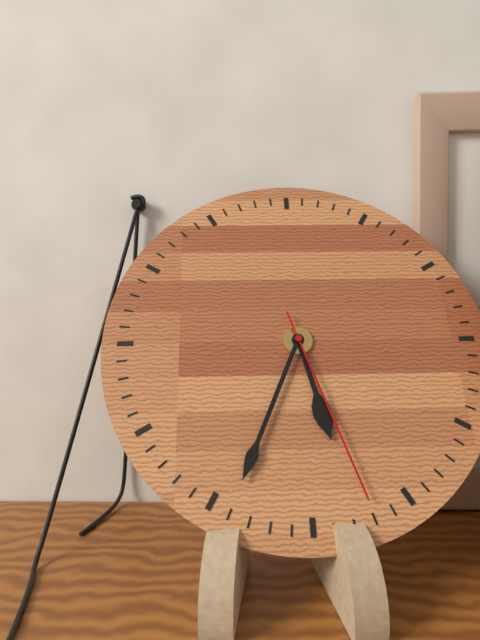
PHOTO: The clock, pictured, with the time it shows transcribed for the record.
5:34:27
